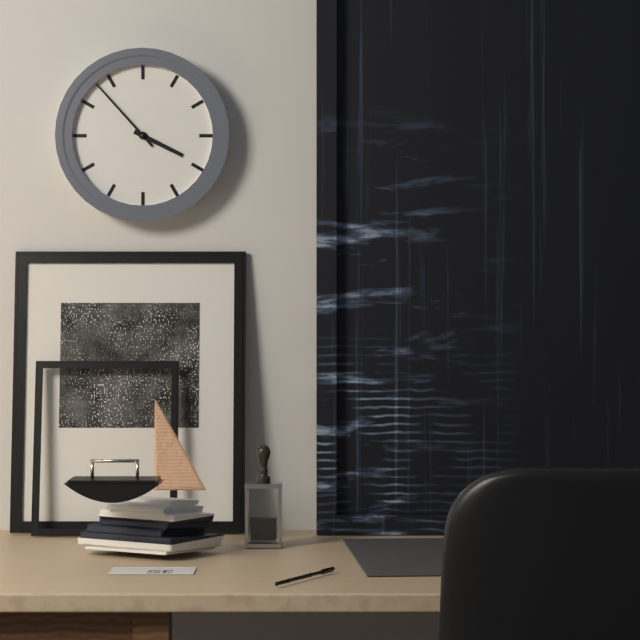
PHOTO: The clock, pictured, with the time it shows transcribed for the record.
3:53
